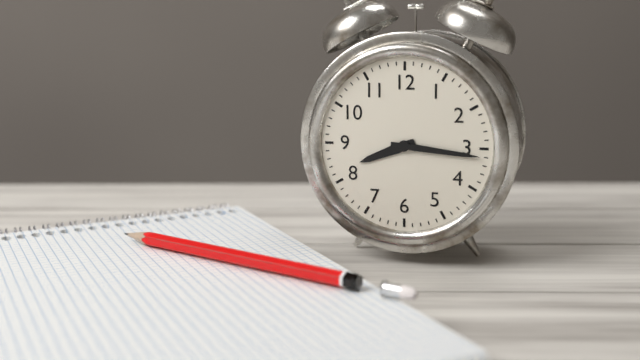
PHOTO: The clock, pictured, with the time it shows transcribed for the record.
8:16
